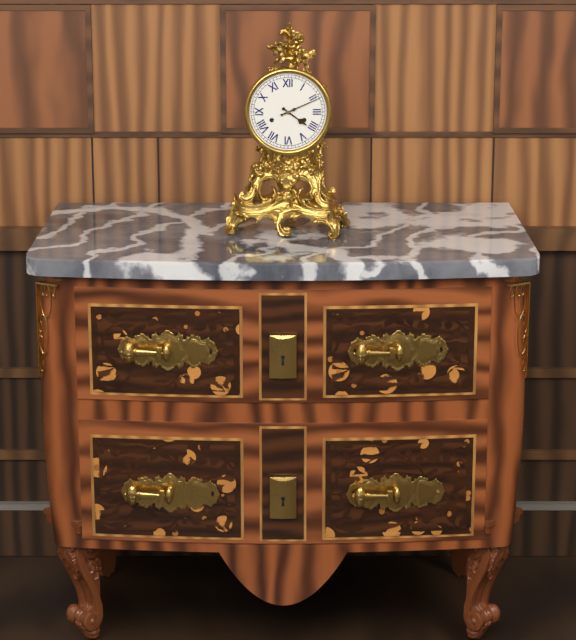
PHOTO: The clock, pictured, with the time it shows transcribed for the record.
4:11
